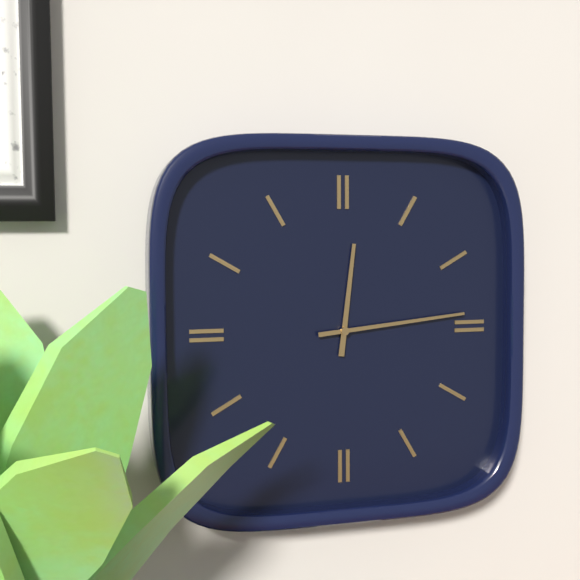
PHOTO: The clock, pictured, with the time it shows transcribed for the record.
12:14
